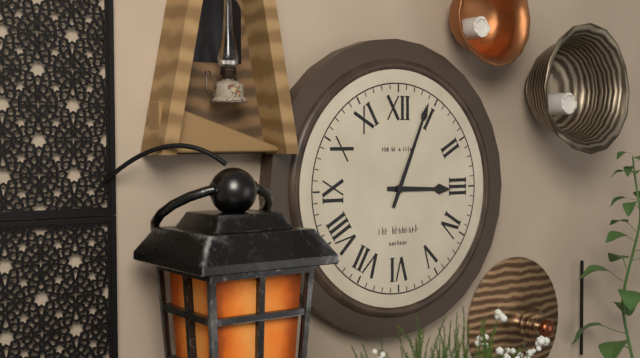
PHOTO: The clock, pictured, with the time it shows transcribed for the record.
3:04
